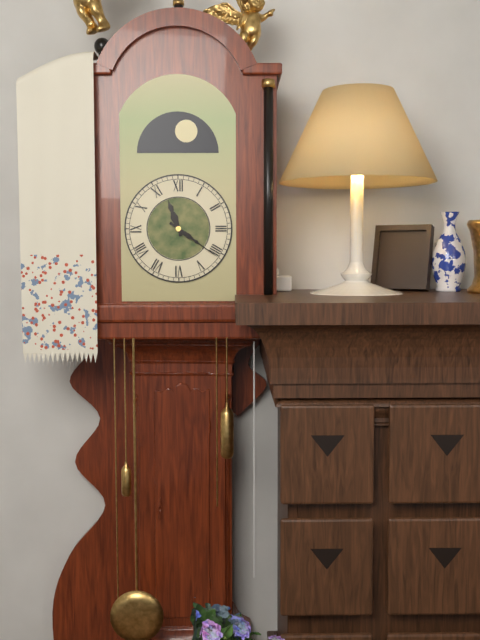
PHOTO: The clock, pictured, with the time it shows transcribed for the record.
11:21
